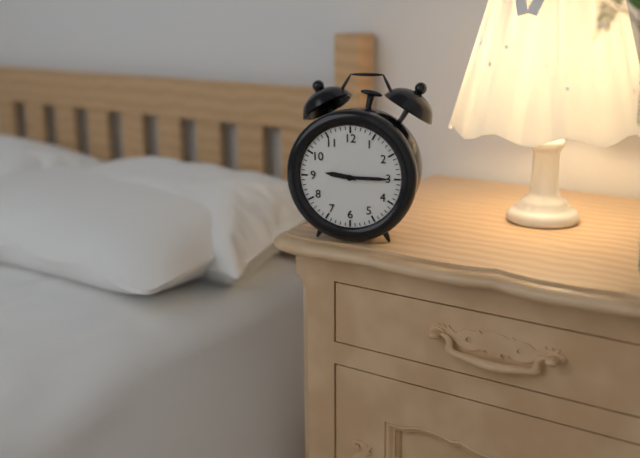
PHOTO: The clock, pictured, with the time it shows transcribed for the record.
9:15
